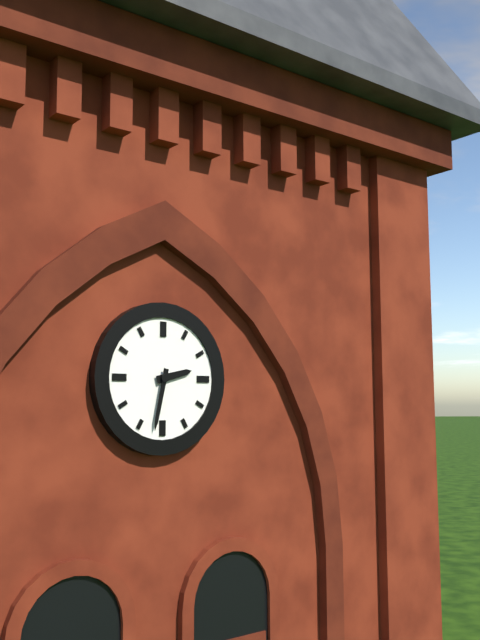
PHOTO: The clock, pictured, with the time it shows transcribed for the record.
2:32
